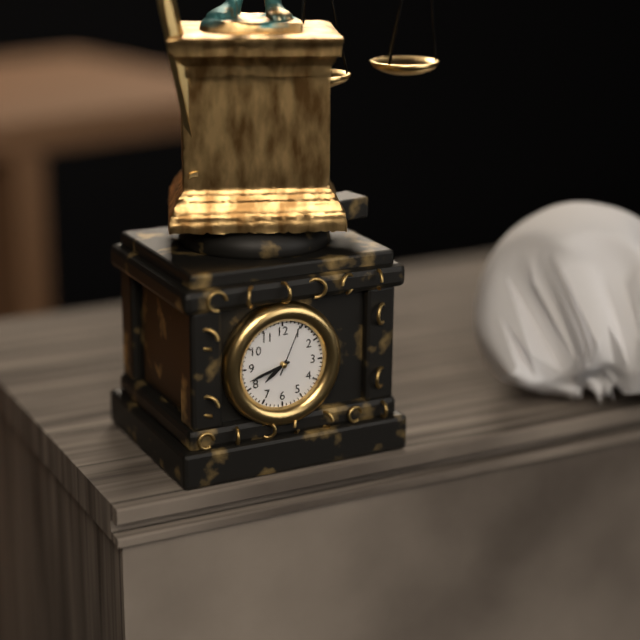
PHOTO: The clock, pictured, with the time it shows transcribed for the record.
7:42:04
